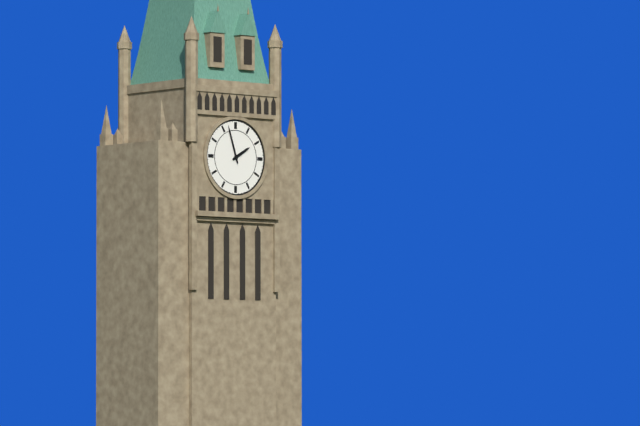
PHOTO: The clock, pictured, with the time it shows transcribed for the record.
1:57
